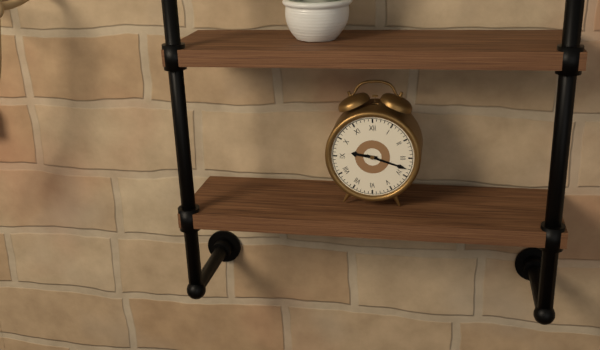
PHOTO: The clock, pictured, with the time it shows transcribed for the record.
9:18
